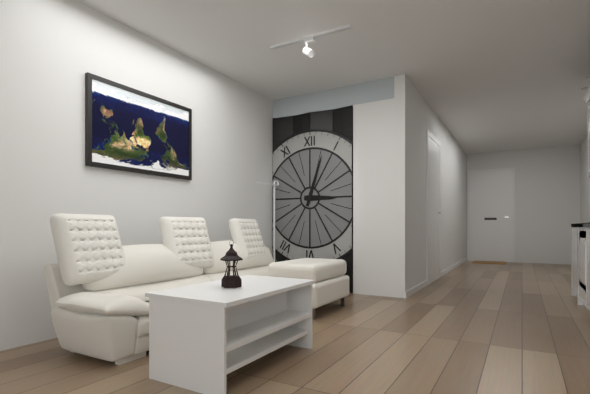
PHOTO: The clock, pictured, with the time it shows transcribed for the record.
3:03
